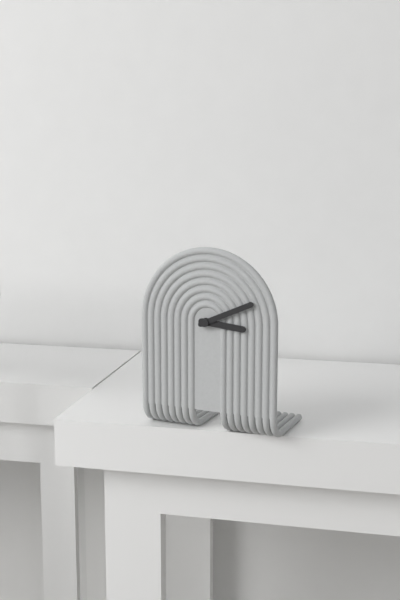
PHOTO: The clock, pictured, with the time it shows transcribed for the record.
3:11
